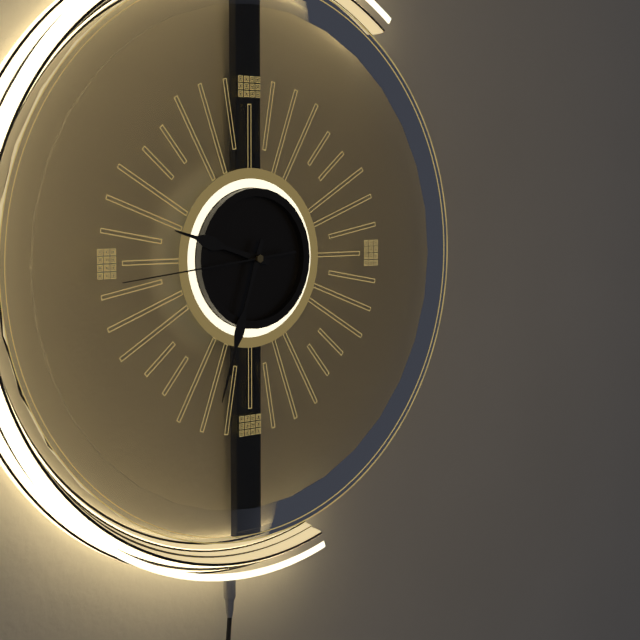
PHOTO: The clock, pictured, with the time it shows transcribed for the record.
9:33:44
